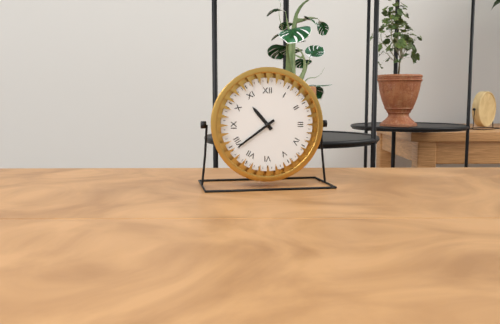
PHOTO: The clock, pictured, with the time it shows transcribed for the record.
10:39
